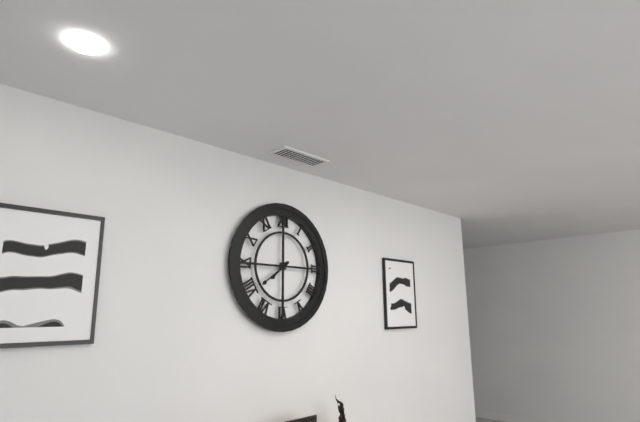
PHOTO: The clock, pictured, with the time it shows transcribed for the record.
7:39
